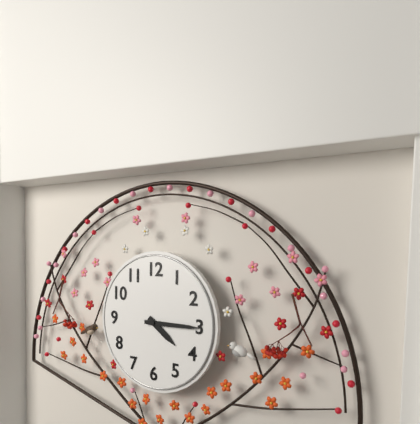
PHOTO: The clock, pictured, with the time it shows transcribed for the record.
4:15
